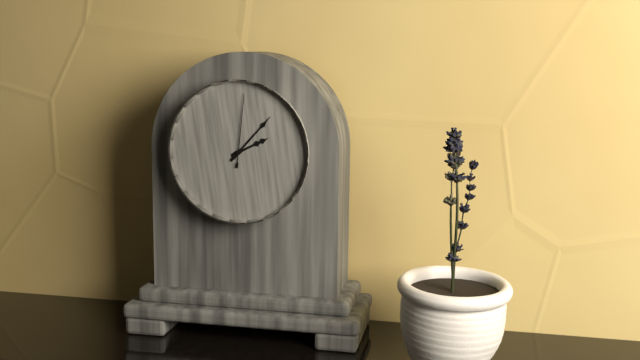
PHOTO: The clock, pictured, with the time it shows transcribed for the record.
2:07:01
